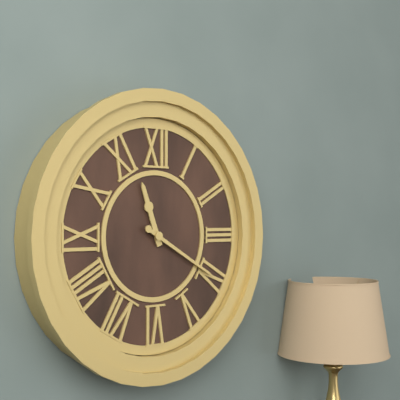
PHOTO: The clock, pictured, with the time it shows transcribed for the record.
11:20
